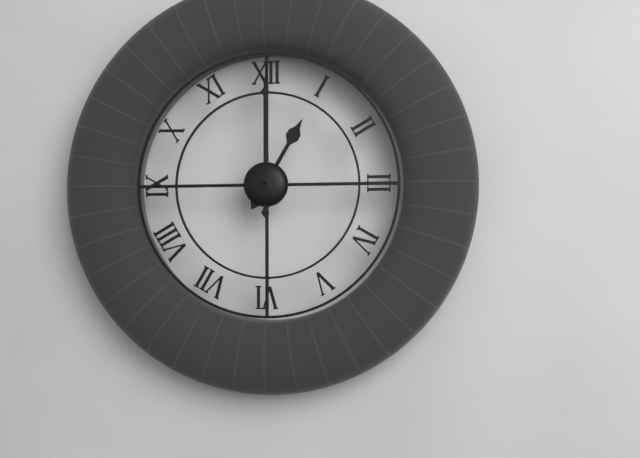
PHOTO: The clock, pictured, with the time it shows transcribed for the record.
1:00
